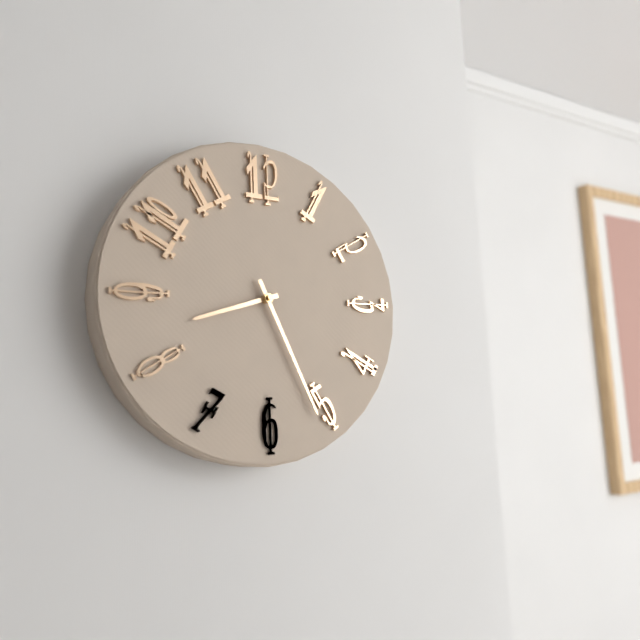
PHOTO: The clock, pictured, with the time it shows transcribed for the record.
8:26
